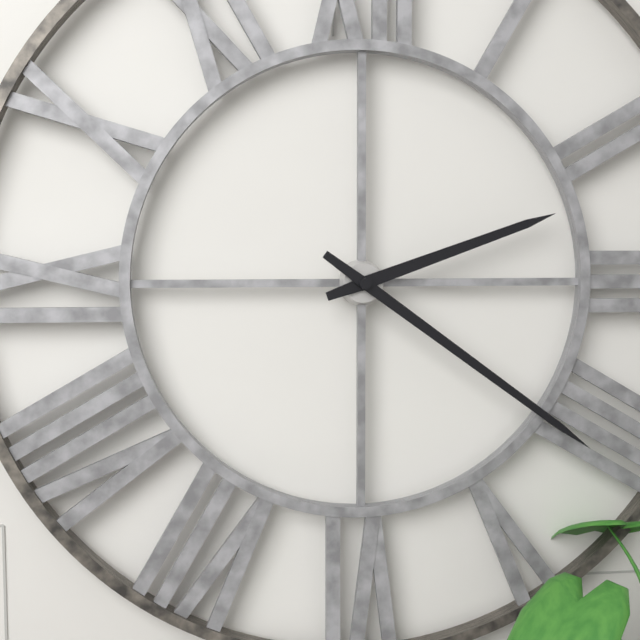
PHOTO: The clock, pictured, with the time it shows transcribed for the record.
2:21
